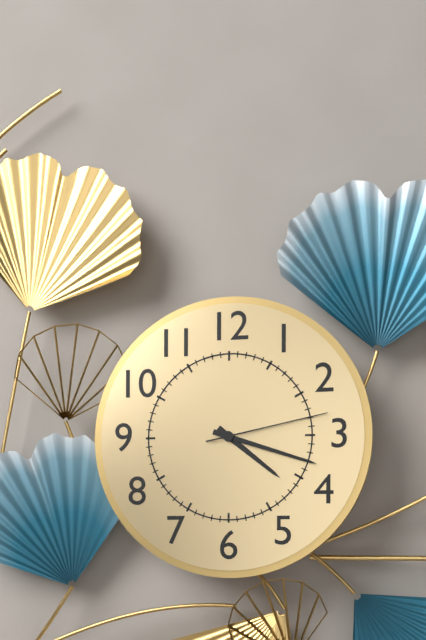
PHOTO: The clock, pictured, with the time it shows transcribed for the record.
4:18:13
